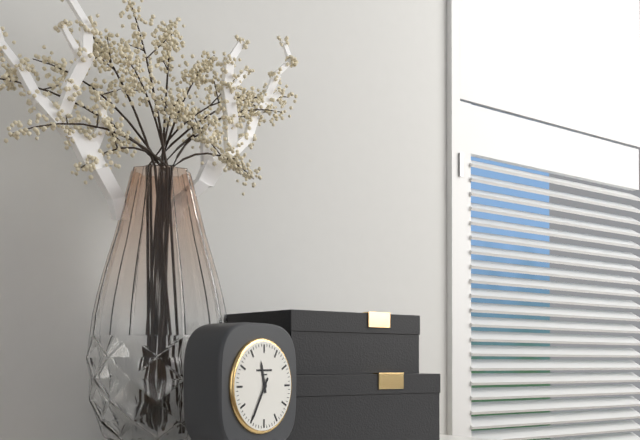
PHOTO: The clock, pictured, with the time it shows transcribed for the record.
11:35
